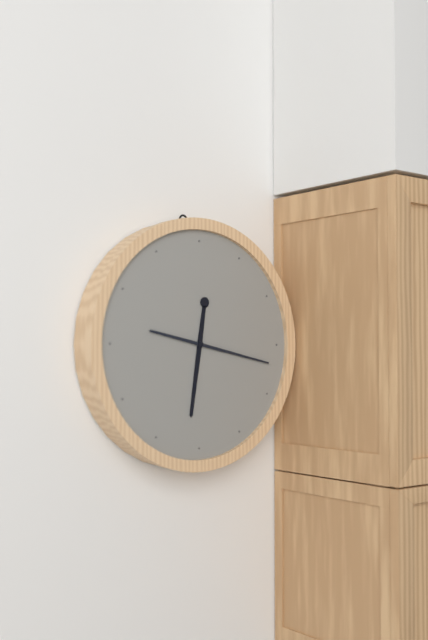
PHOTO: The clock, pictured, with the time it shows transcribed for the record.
6:17
